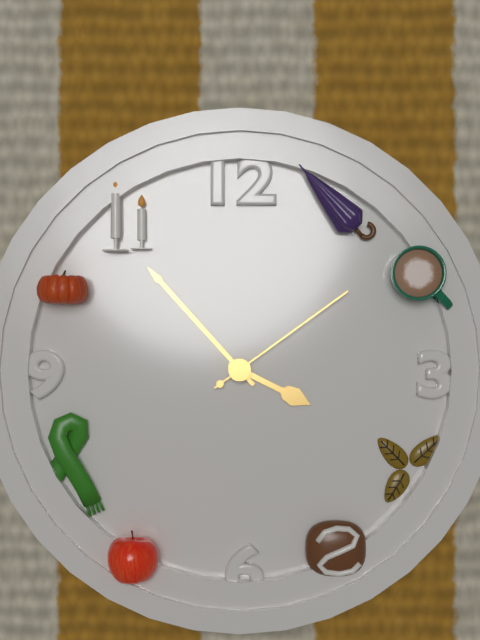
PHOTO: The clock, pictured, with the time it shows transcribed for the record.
3:53:09
